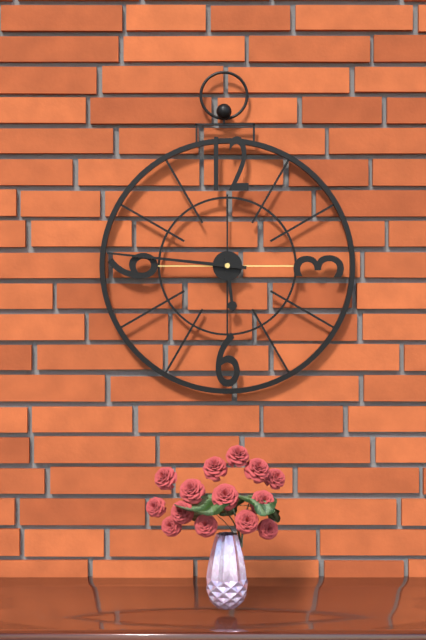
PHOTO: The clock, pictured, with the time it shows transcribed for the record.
5:46
